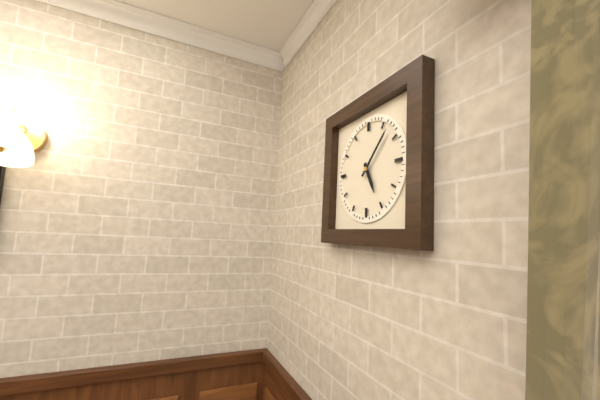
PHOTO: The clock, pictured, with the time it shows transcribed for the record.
5:07
